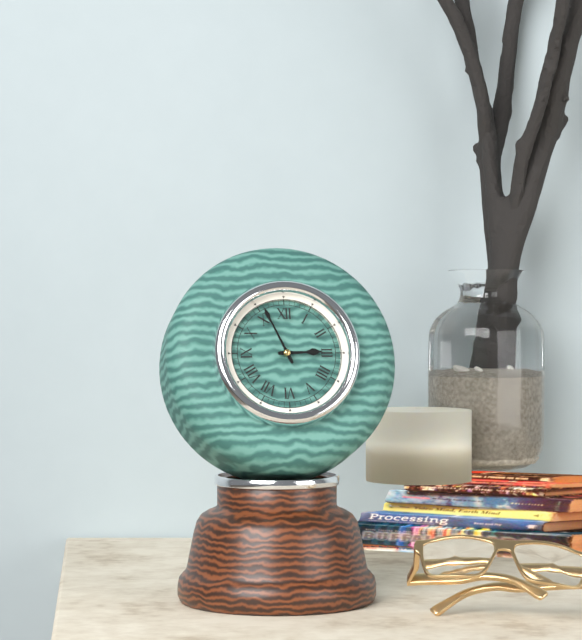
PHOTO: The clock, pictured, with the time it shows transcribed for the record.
2:56
